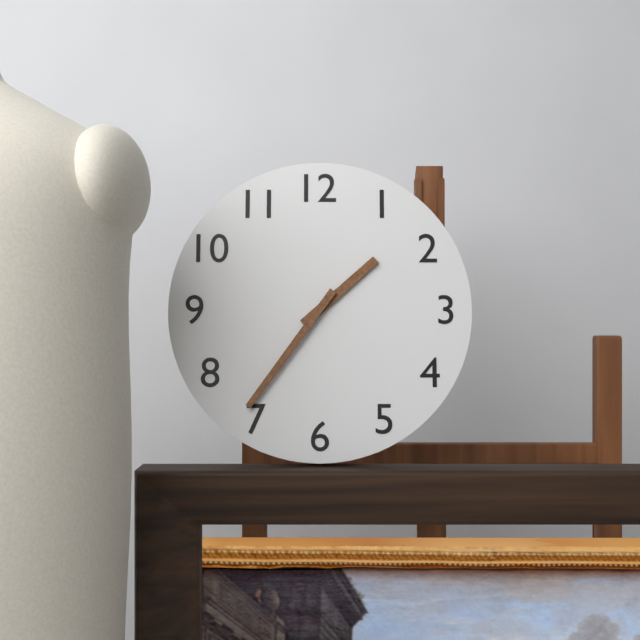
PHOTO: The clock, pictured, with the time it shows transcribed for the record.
1:36
